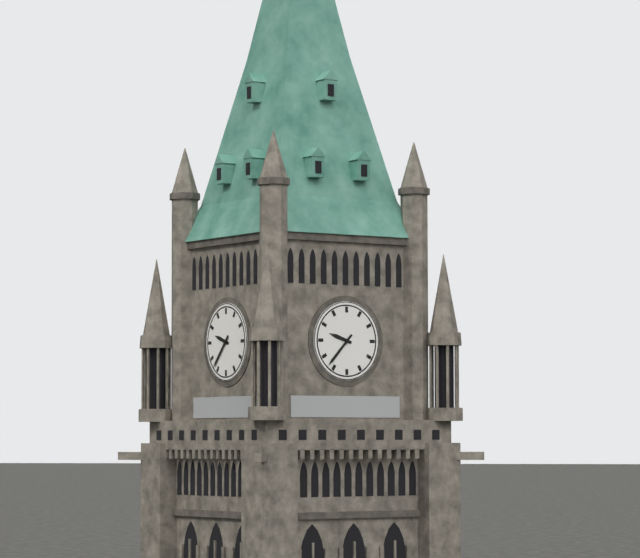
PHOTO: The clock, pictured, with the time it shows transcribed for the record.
9:37
